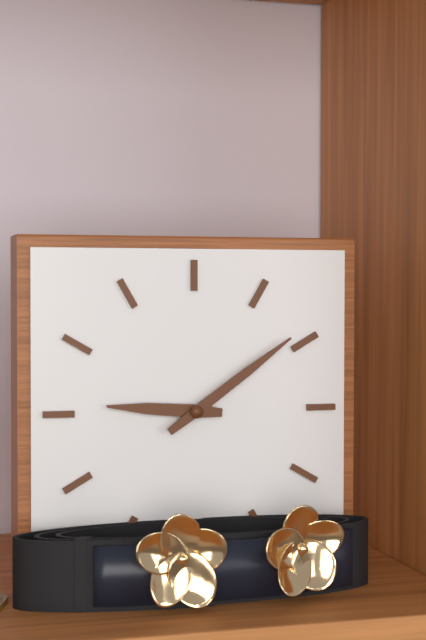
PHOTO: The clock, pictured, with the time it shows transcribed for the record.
9:09
